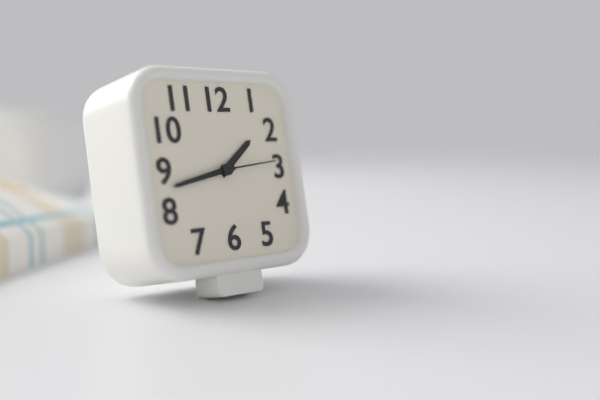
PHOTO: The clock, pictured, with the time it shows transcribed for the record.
1:43:14
